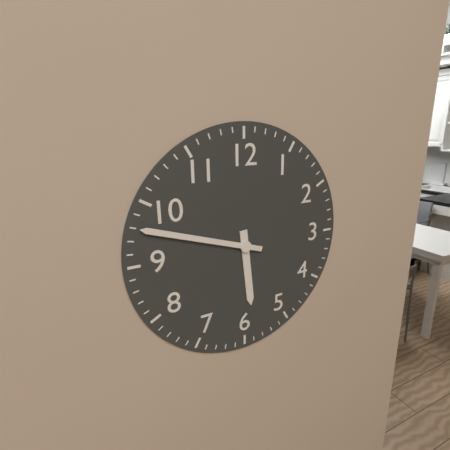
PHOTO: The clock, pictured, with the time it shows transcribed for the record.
5:48
